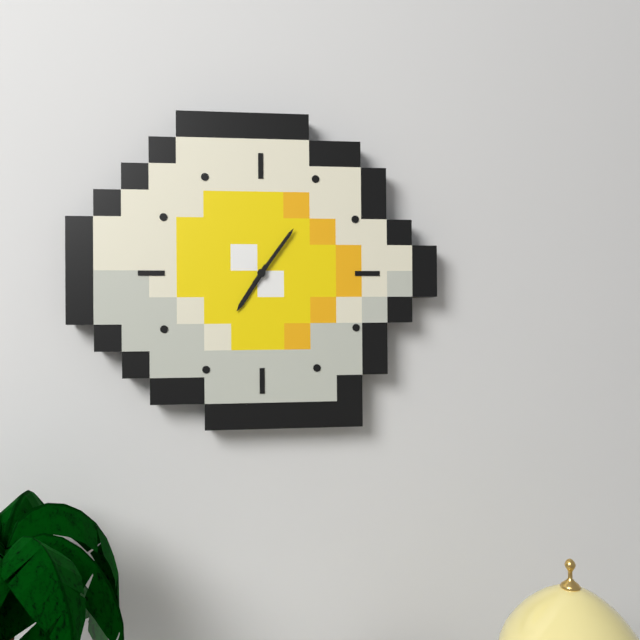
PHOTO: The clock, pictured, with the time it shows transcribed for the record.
7:06
